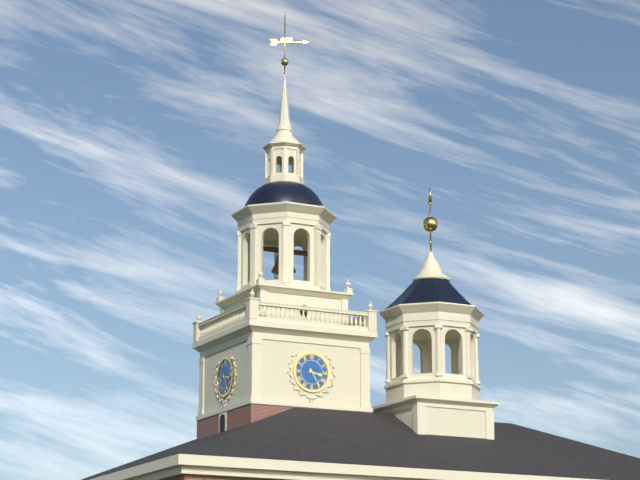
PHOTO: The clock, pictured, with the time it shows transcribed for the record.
3:25
